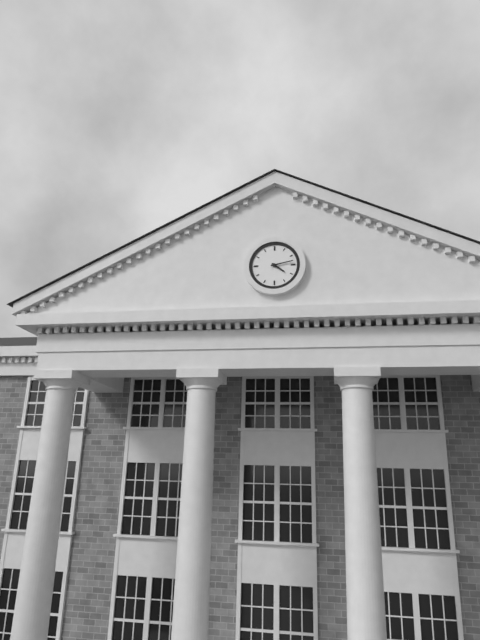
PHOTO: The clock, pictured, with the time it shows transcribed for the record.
4:13
